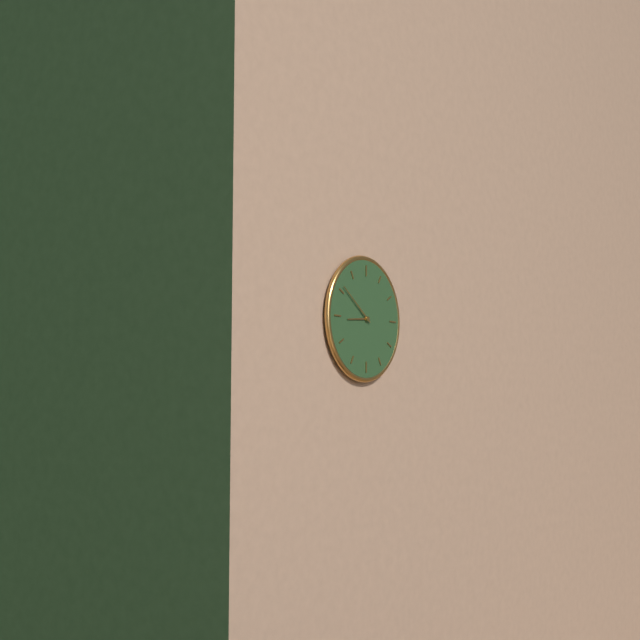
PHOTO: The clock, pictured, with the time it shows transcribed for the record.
8:51
